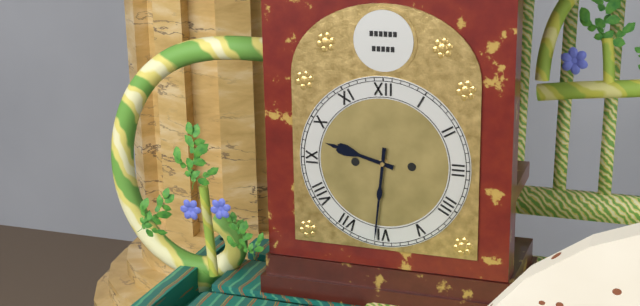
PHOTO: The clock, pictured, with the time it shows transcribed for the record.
9:31
